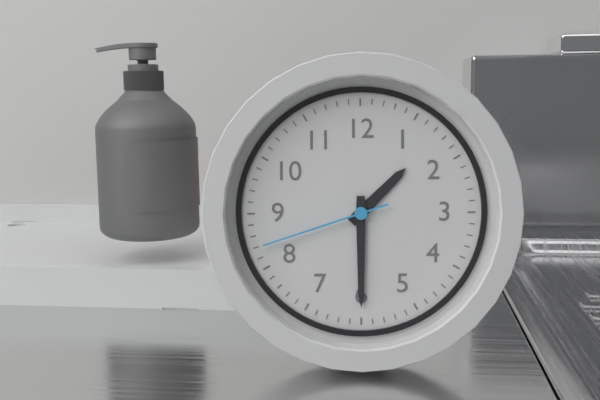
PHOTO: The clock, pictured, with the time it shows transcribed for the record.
1:30:42
